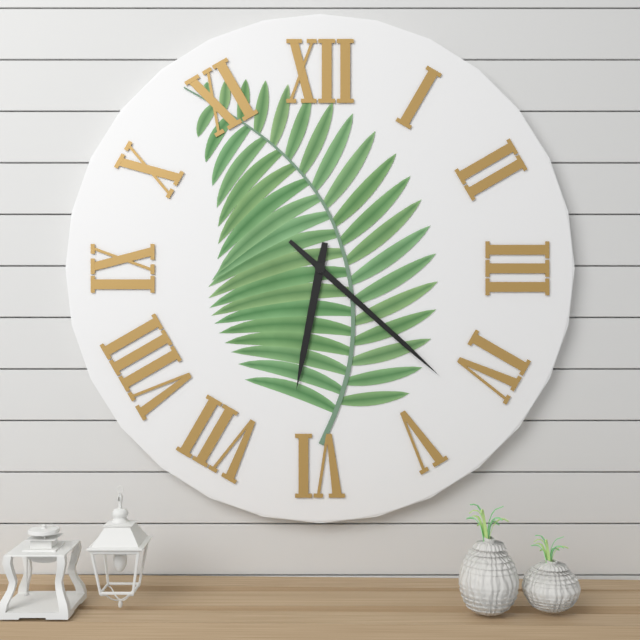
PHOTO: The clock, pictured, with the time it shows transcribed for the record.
6:22
